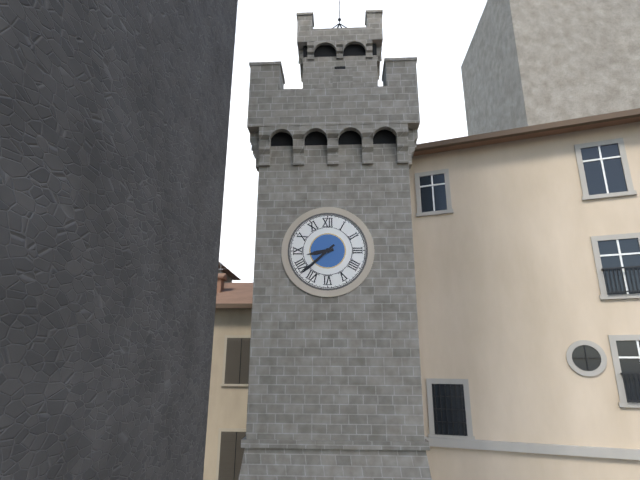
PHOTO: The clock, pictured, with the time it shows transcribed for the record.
8:38
